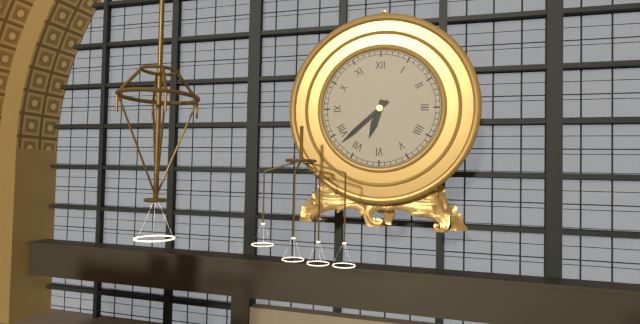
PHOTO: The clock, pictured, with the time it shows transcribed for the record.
6:38
